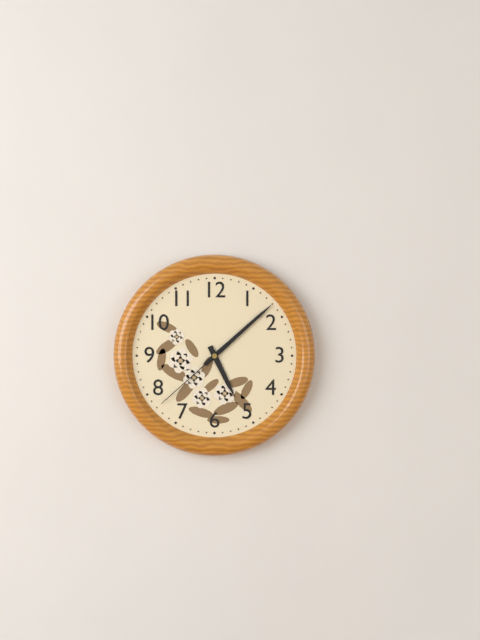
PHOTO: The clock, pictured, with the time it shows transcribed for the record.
5:08:38
